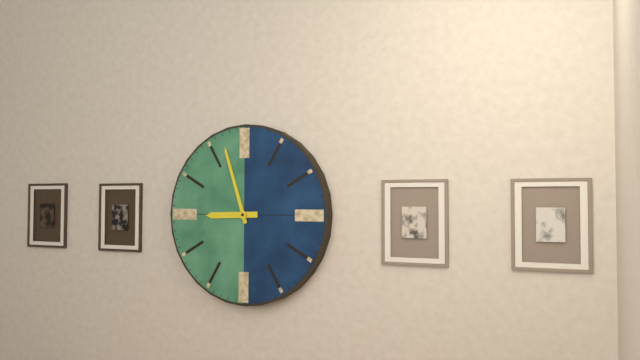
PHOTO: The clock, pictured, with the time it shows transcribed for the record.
8:57
